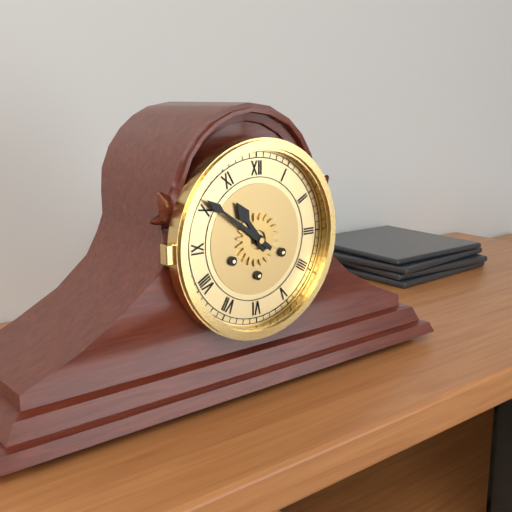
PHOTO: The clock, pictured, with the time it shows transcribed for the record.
10:51
